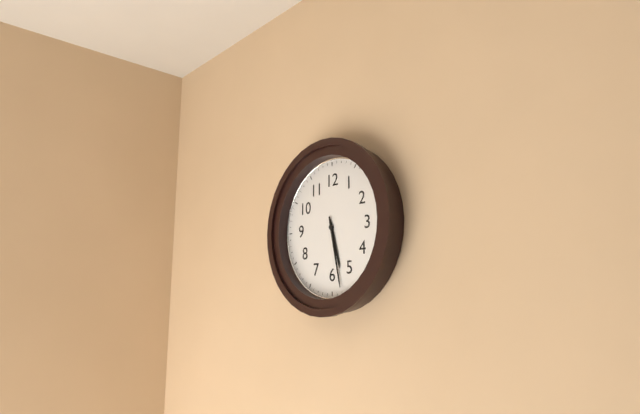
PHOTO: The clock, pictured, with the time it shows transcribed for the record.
5:28
